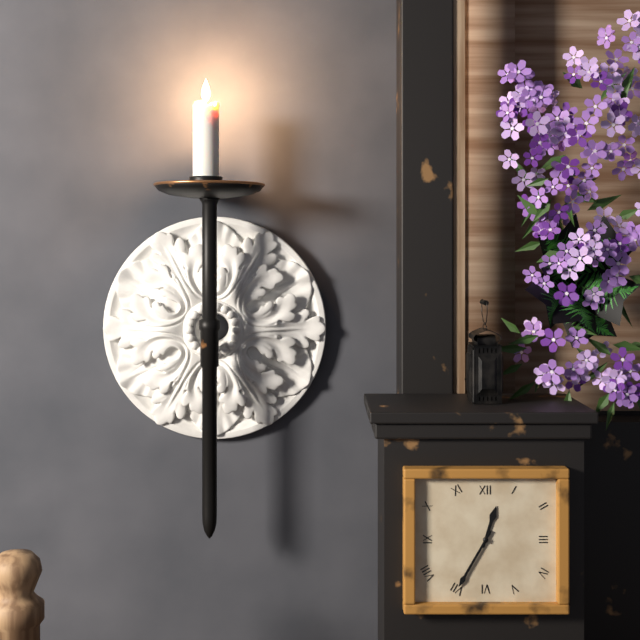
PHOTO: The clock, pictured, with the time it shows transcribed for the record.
12:35
